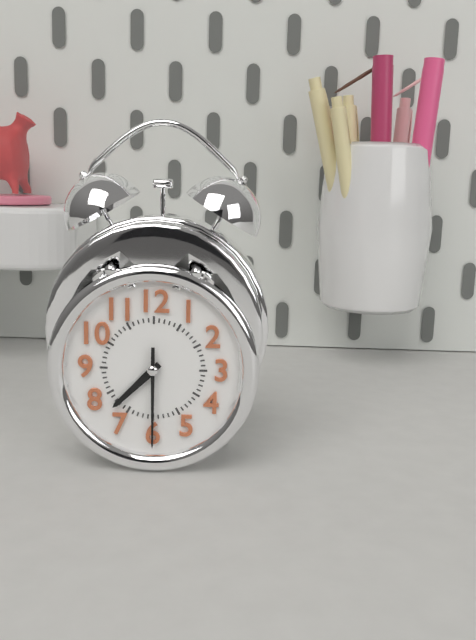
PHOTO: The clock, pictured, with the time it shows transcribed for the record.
7:30
